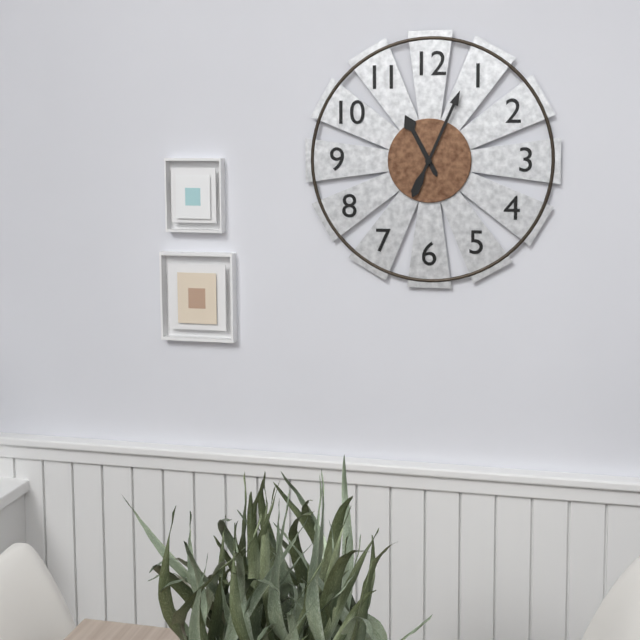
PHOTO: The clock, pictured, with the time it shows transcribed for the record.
11:04
